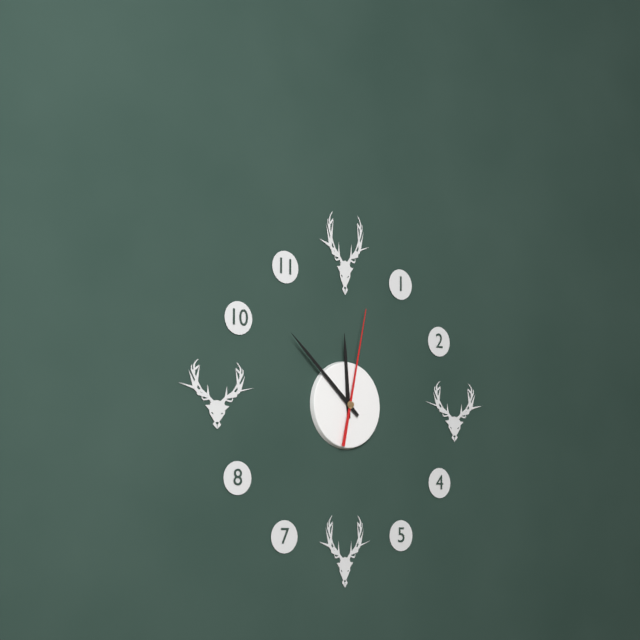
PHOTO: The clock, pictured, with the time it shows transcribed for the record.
11:52:02
